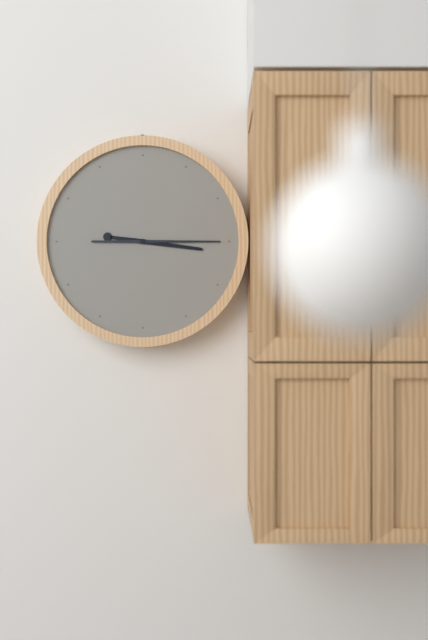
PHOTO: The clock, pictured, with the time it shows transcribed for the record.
3:15
